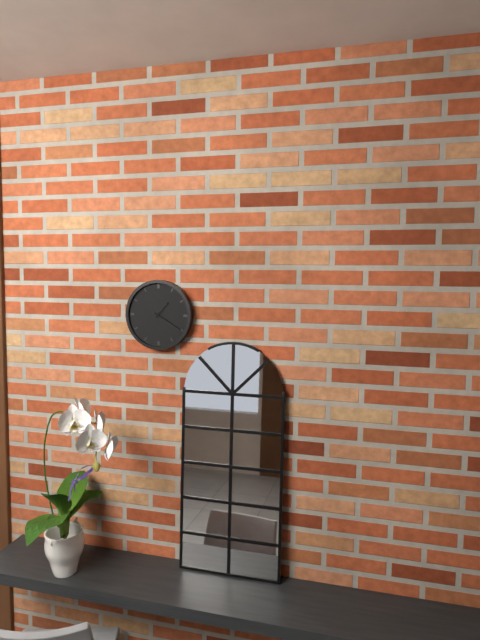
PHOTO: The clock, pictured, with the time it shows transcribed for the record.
1:20
